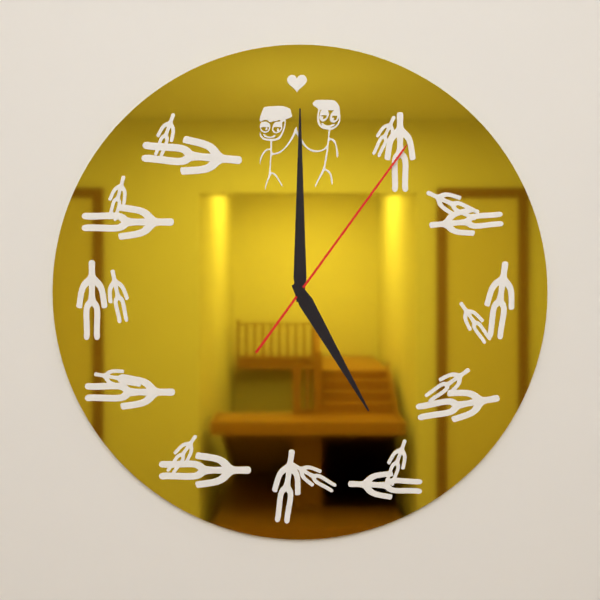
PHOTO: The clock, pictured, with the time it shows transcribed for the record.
5:00:06
